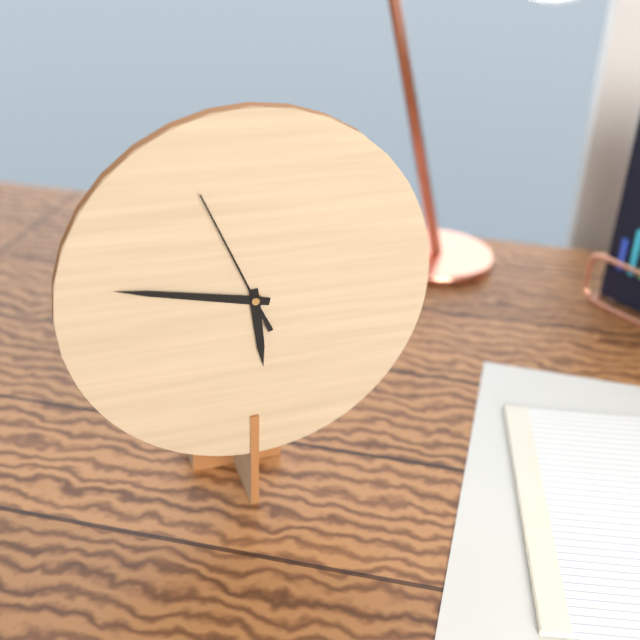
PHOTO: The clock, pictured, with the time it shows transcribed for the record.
5:47:56
